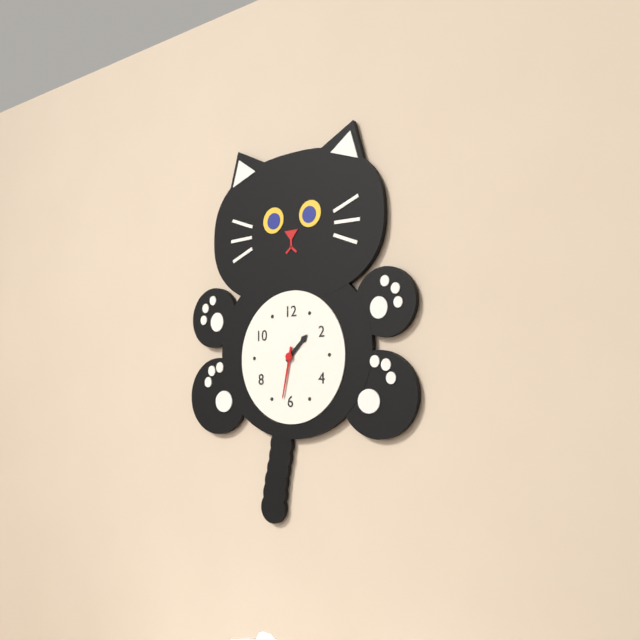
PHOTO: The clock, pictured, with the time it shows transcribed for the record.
1:32
